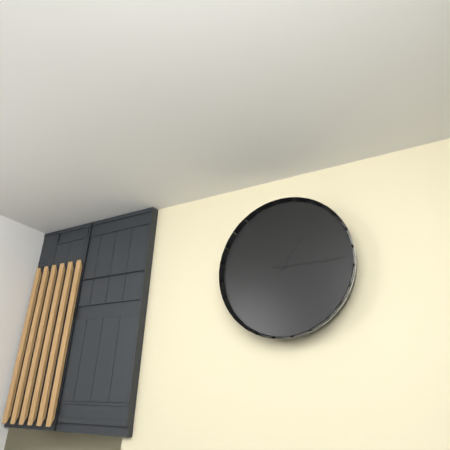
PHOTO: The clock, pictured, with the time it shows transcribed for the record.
1:15
